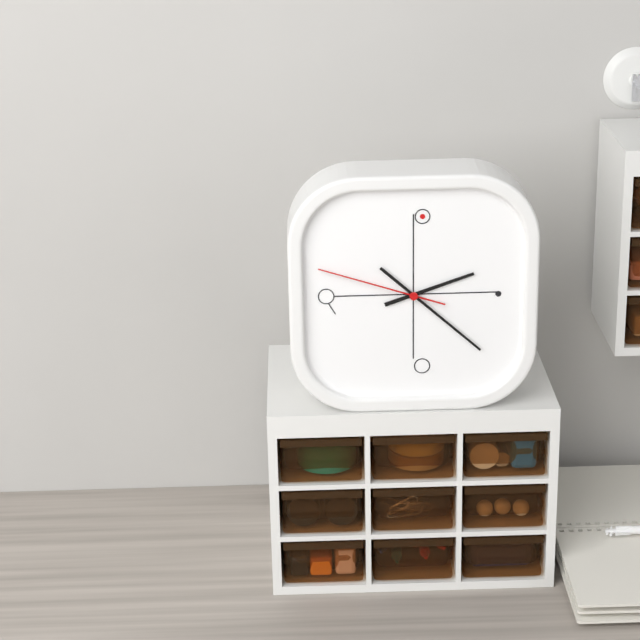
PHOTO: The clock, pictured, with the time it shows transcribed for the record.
2:22:48
